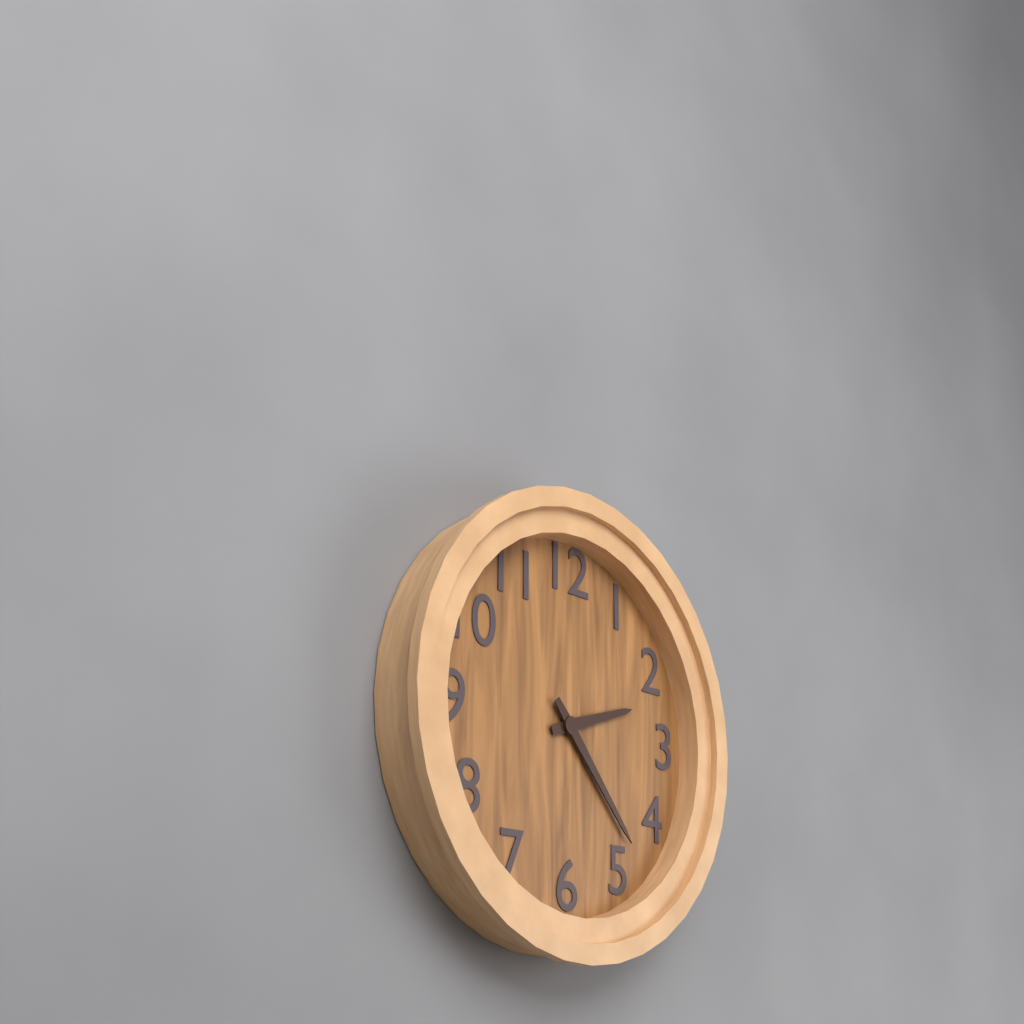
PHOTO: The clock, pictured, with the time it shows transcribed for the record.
2:23
